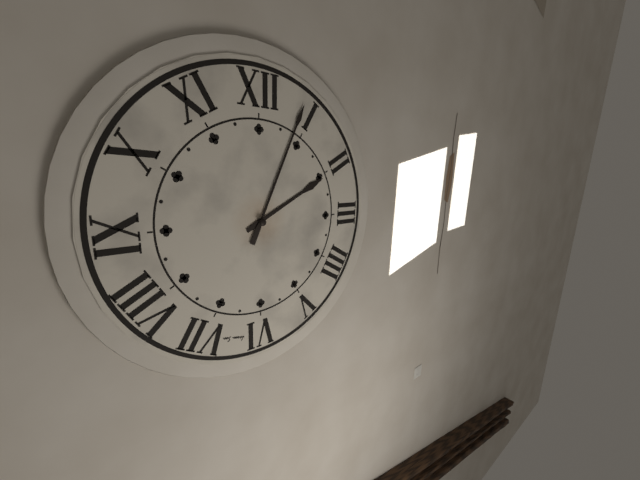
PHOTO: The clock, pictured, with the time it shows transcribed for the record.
2:04
